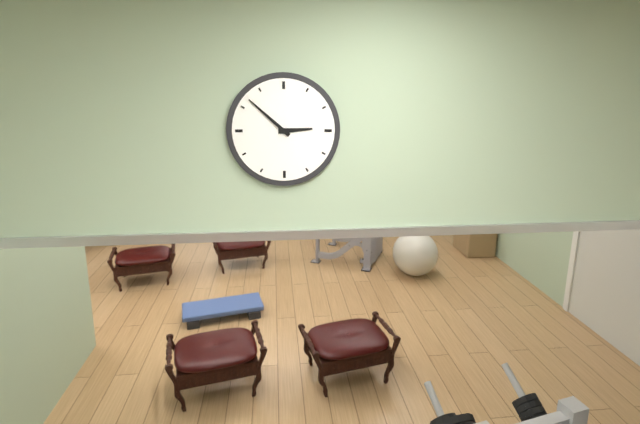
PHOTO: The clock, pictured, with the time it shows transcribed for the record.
2:52
